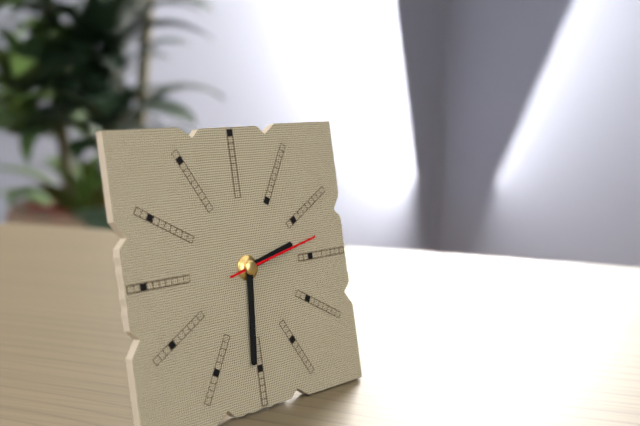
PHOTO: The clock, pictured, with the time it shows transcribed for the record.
2:31:13
